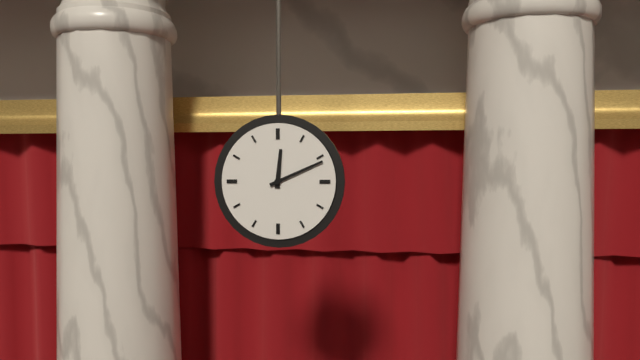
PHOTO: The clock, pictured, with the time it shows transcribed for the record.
12:11
